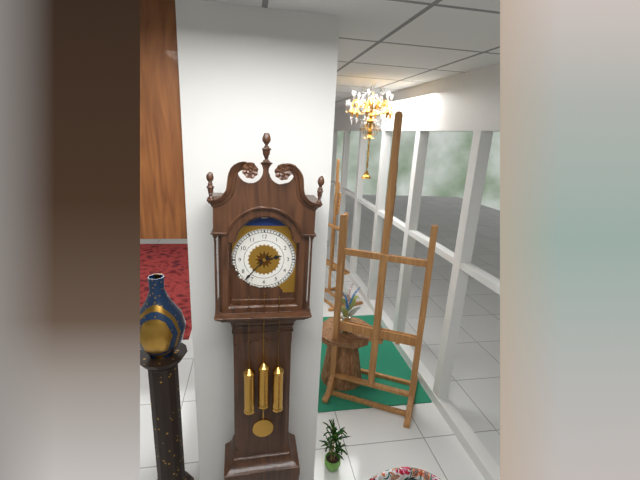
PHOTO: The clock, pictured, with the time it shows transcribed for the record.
2:37
